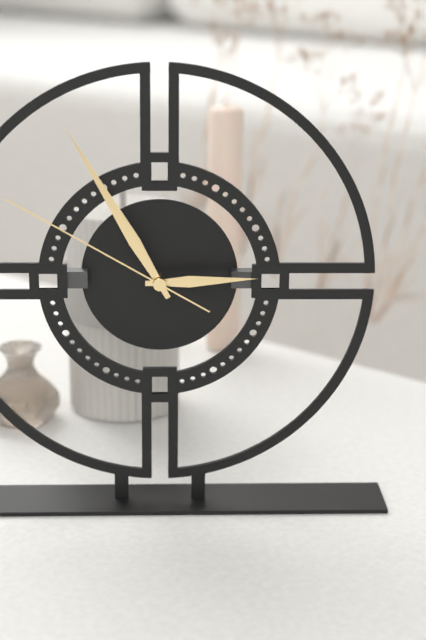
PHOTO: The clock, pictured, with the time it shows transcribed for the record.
2:55:50
